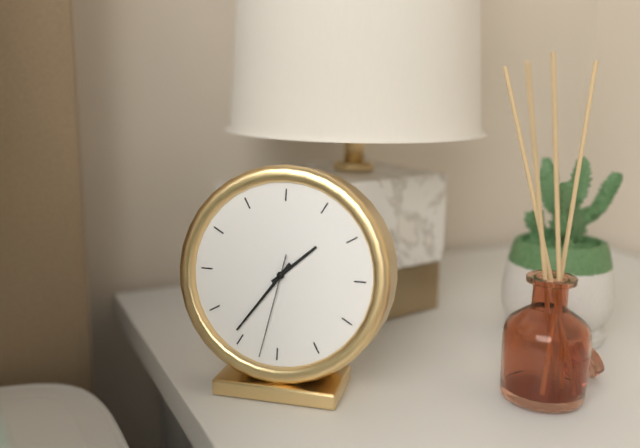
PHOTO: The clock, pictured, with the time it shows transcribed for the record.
1:36:32
